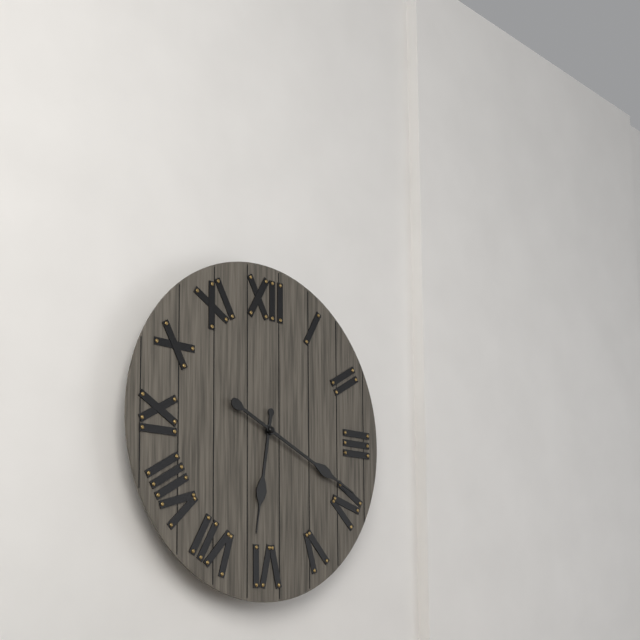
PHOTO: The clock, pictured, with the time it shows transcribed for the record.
6:19
